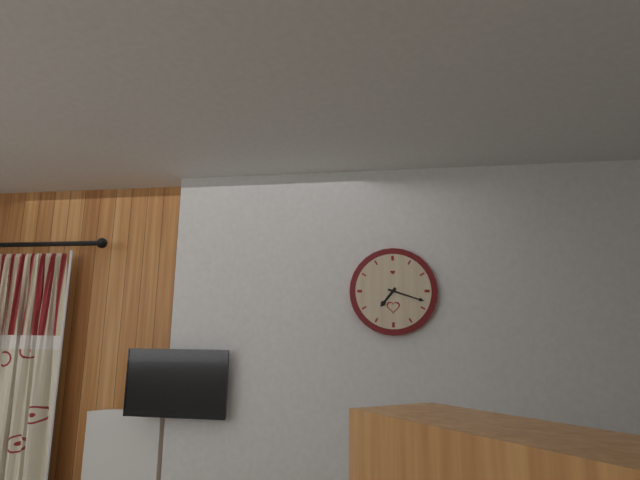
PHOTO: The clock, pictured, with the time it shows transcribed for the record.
7:18
